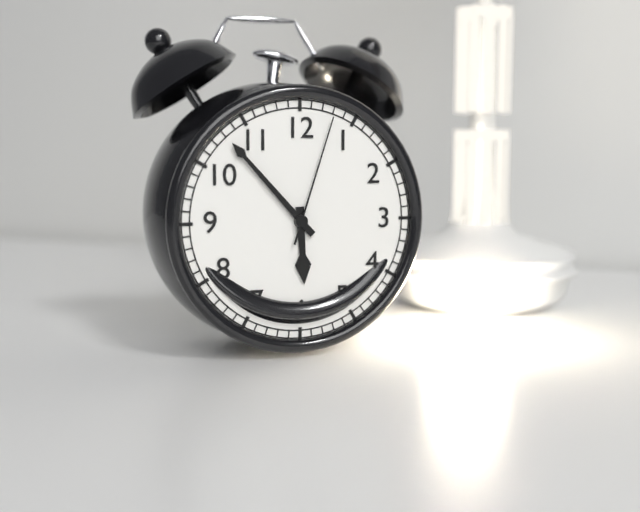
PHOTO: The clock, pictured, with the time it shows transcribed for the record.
5:53:03
